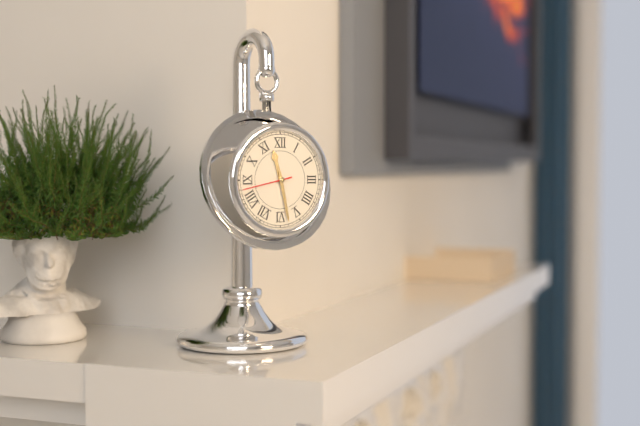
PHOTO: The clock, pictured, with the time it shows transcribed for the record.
11:28:43
